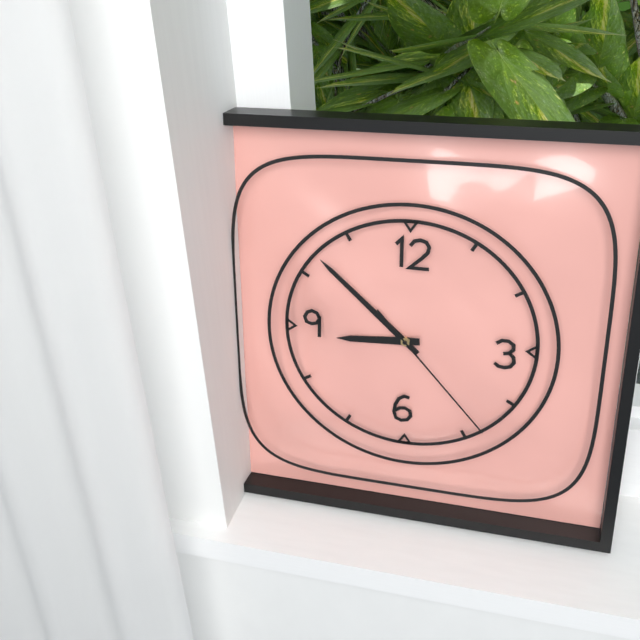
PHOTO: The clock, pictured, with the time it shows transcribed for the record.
8:52:23
